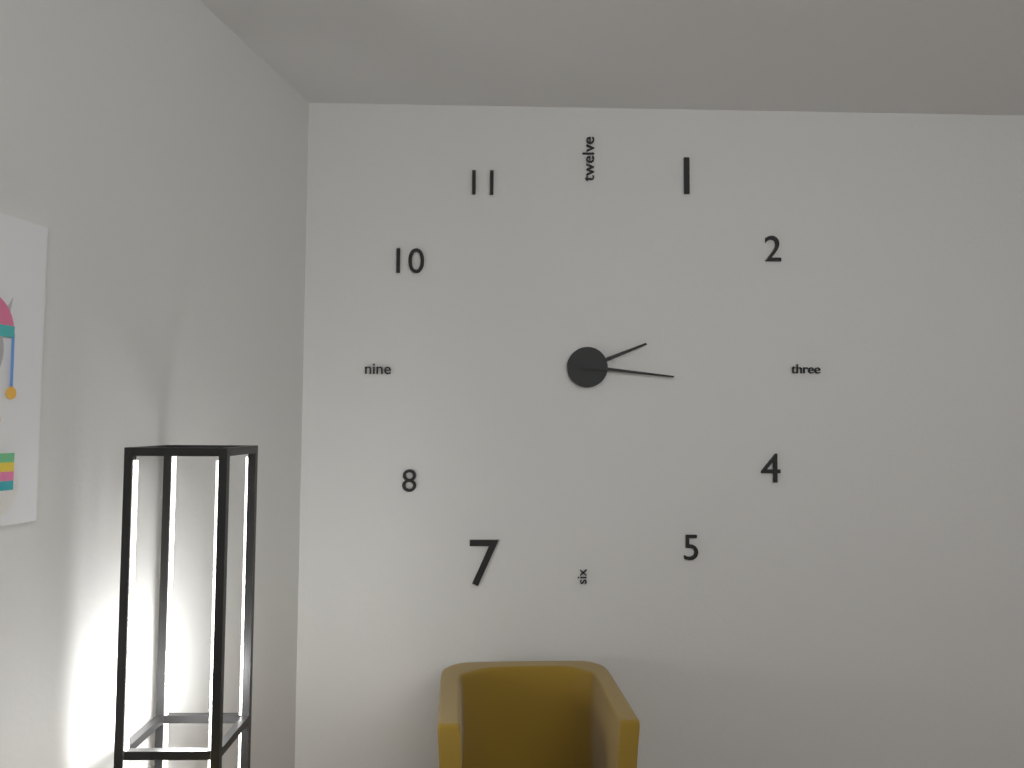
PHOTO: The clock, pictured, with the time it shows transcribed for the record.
2:16
